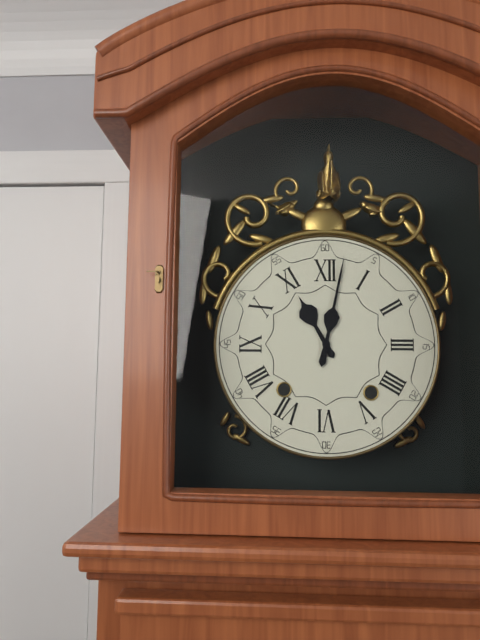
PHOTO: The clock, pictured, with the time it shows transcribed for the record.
11:02
